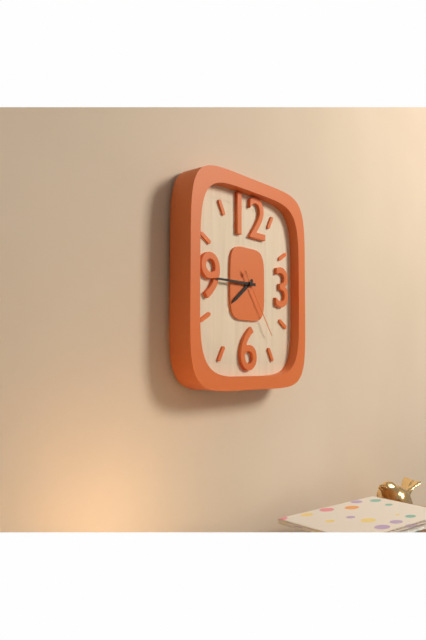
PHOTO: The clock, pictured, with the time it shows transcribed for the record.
7:45:24
